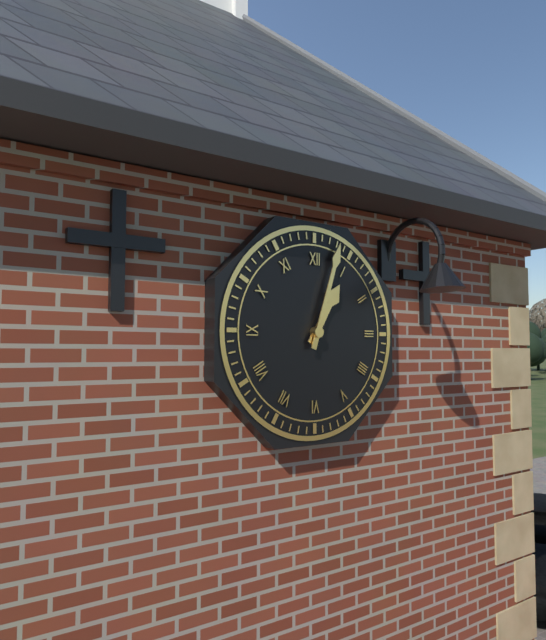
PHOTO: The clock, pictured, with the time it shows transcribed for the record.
1:03
